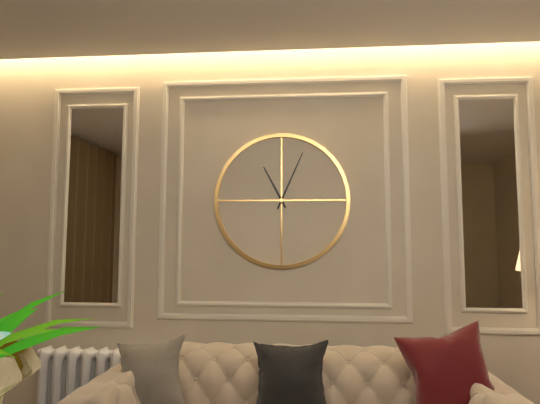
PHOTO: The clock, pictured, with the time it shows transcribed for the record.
11:04
